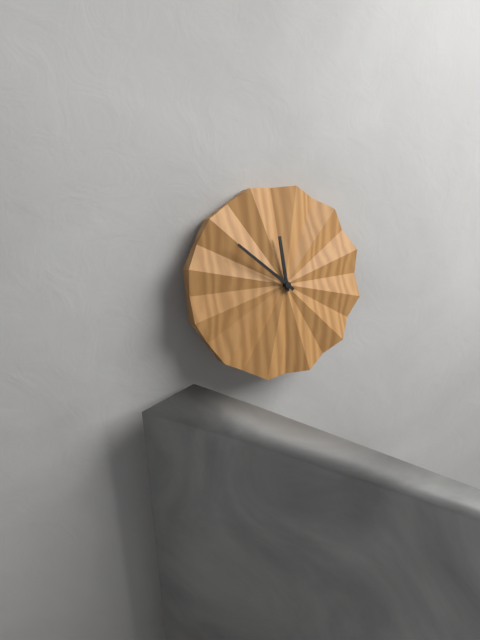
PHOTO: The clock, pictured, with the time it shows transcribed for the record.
11:52
